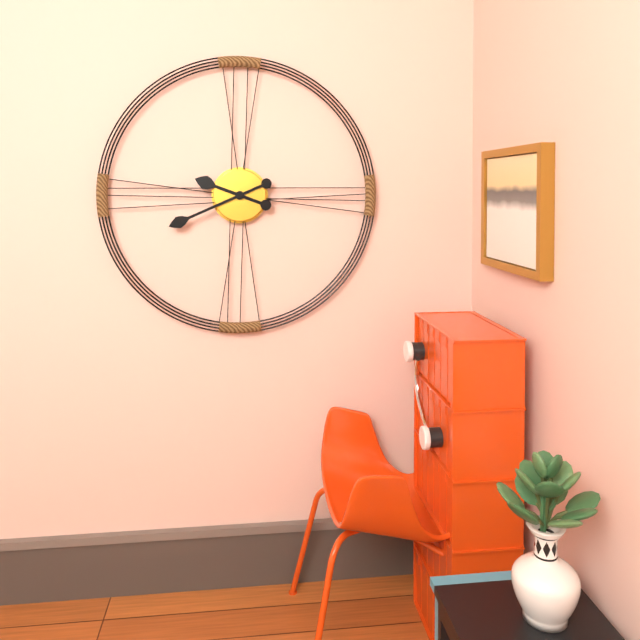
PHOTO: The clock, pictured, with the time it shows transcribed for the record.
9:41
